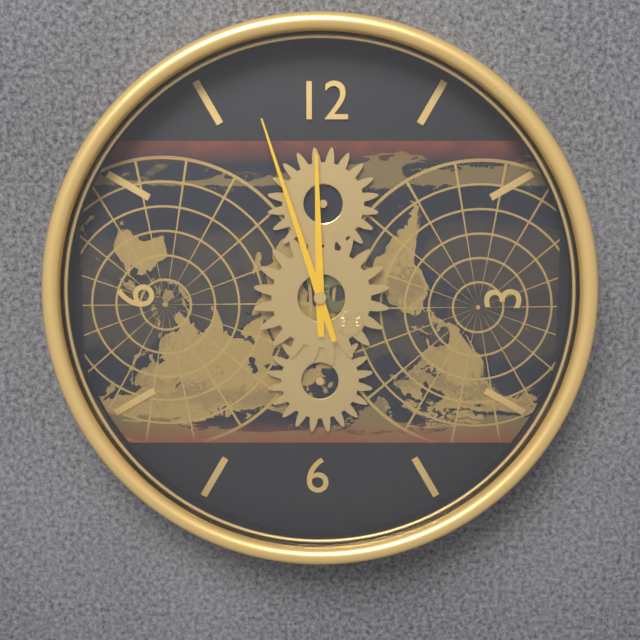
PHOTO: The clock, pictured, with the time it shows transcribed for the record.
11:57
